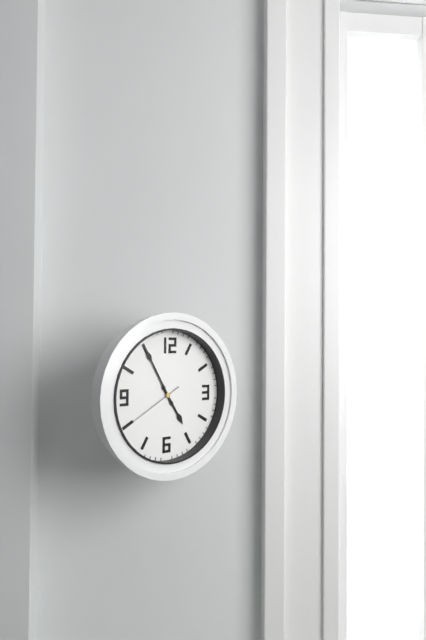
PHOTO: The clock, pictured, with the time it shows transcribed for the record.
4:55:40
